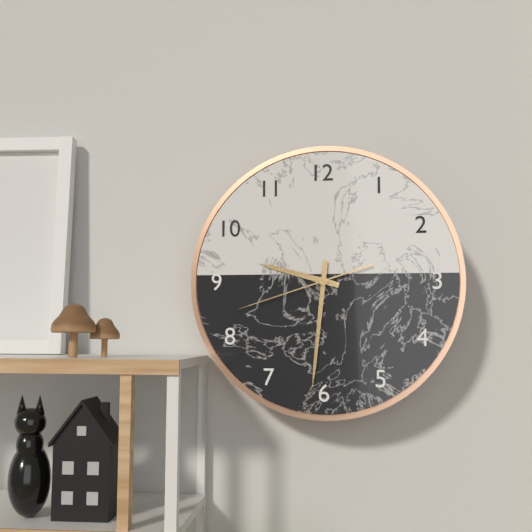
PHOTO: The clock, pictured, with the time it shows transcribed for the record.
9:31:42
